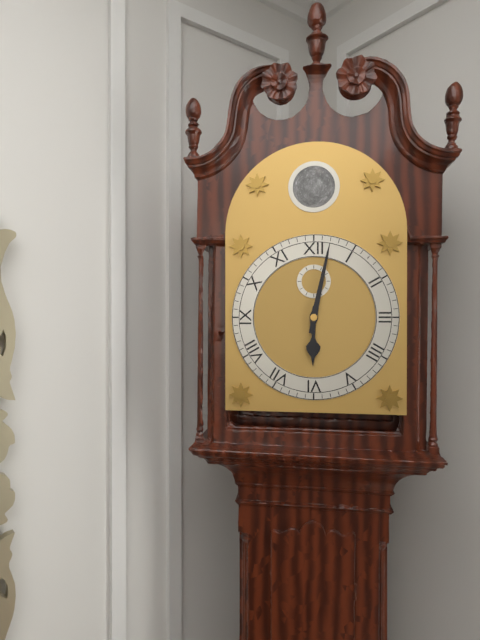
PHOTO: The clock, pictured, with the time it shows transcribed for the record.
6:02
